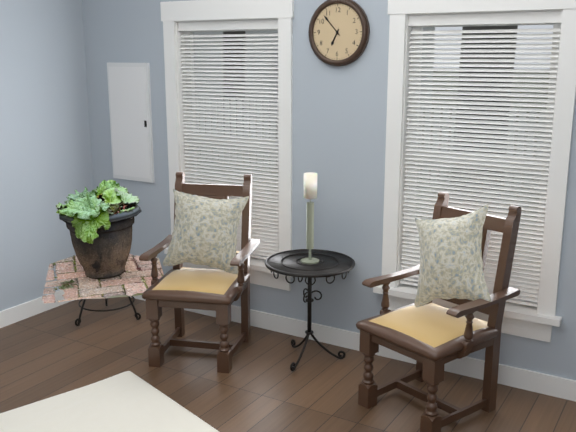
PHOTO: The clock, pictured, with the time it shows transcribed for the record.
6:53
